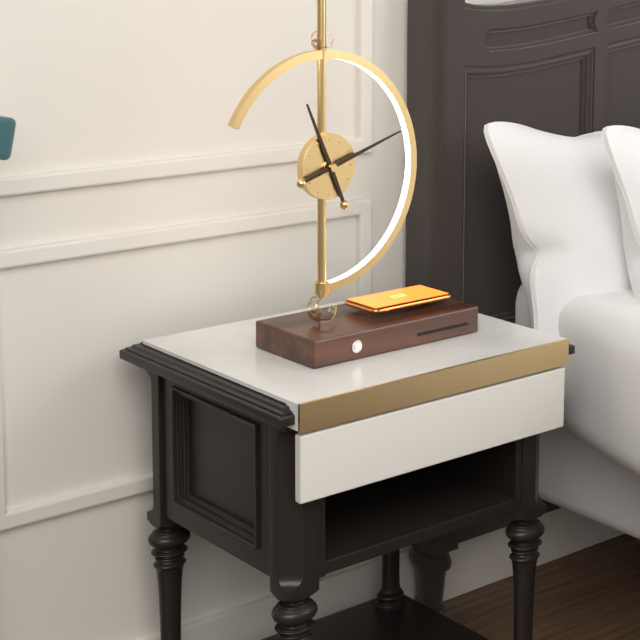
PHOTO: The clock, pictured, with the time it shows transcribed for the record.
11:12
